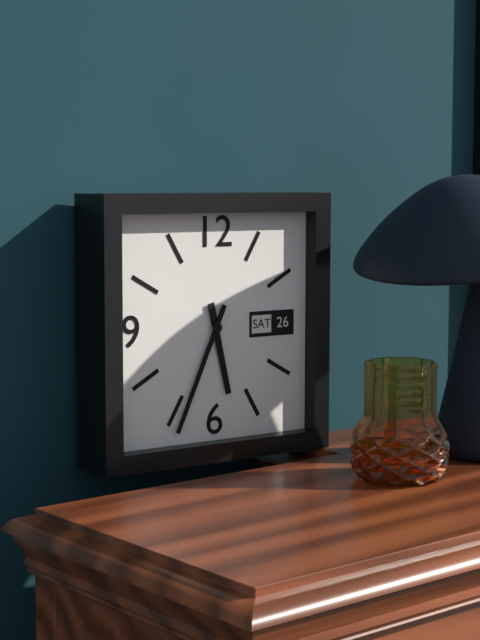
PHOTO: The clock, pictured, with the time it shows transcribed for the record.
5:34
